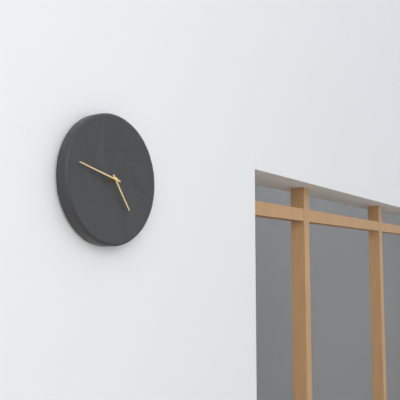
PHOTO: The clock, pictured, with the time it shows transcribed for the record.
4:47
